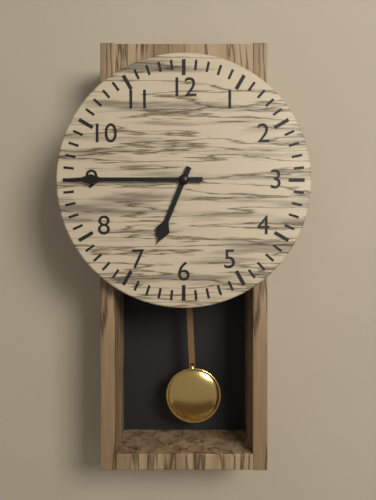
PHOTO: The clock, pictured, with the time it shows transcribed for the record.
6:45
